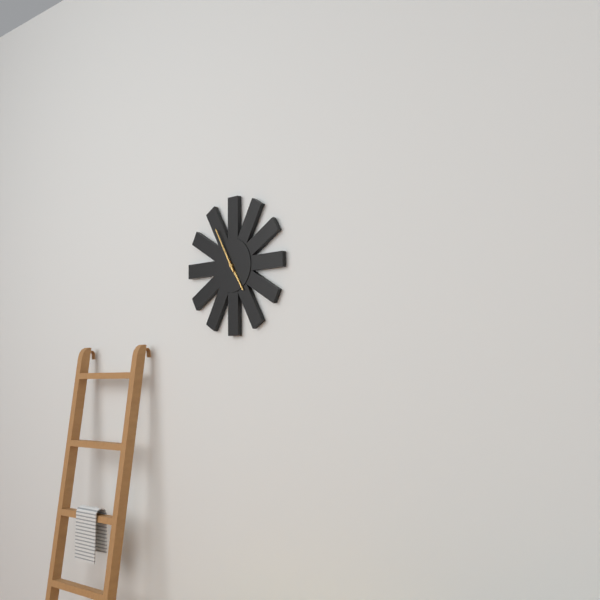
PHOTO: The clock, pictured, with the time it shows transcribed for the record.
4:55
